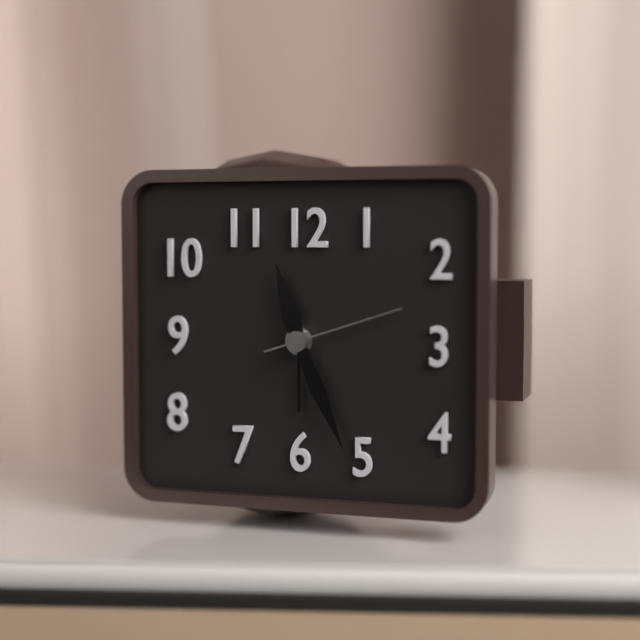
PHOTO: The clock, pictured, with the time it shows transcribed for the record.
11:26:12
